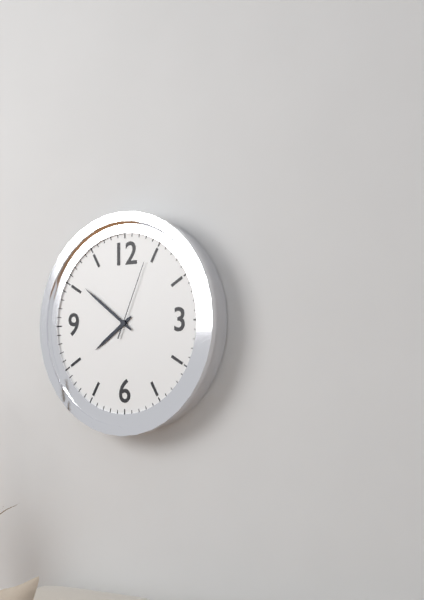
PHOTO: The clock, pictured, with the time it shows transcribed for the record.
7:51:04
